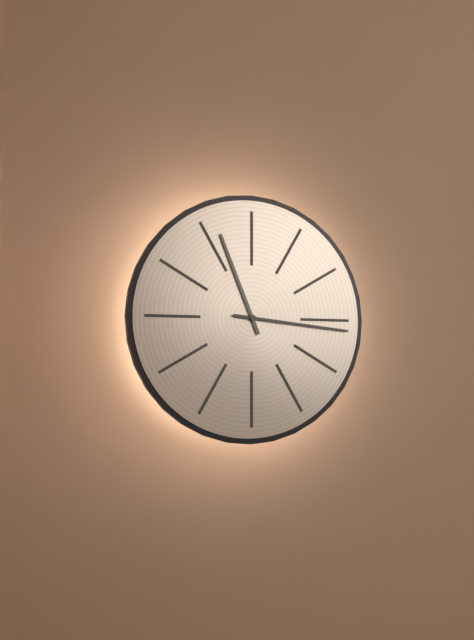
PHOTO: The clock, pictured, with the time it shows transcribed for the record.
11:16
